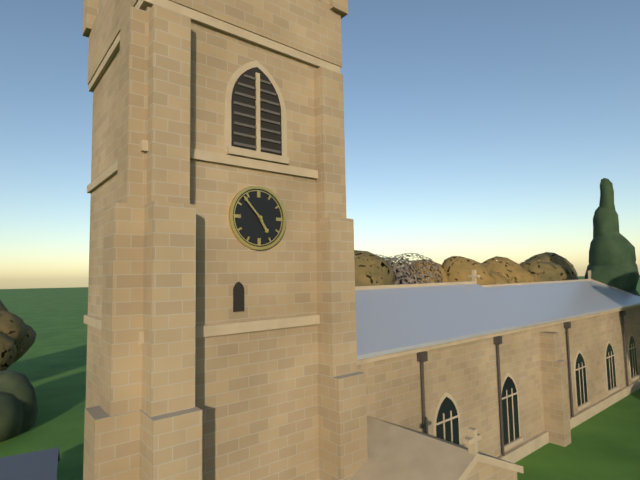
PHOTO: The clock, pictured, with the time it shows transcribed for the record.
4:53
